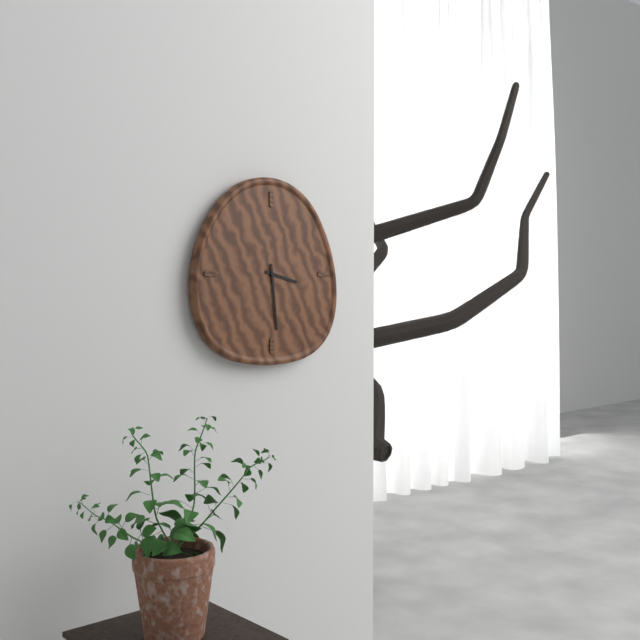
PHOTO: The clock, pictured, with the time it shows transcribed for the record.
3:29
